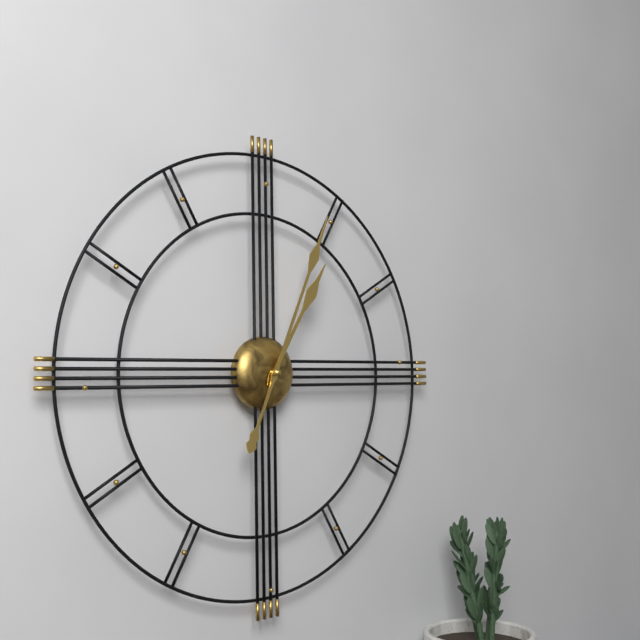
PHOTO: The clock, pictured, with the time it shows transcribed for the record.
1:04
